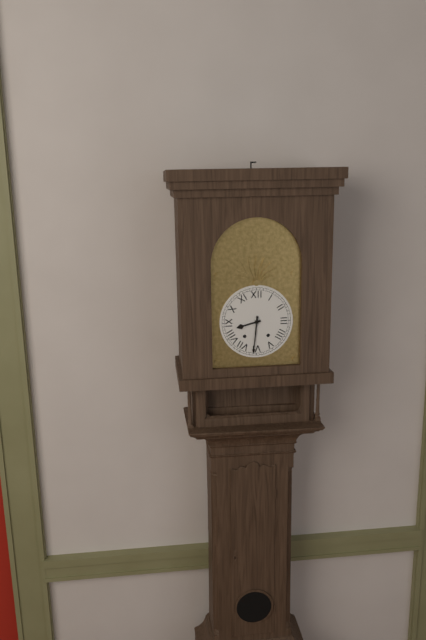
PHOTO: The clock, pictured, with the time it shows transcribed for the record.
8:31
